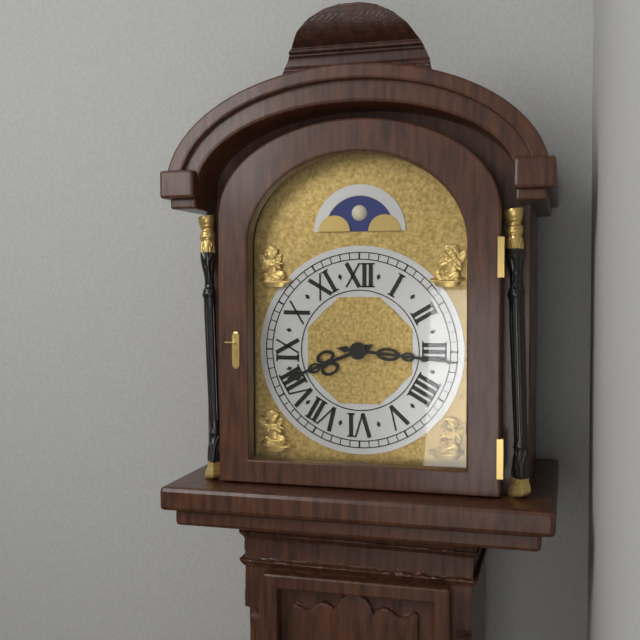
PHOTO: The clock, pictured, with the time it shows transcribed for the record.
8:16
